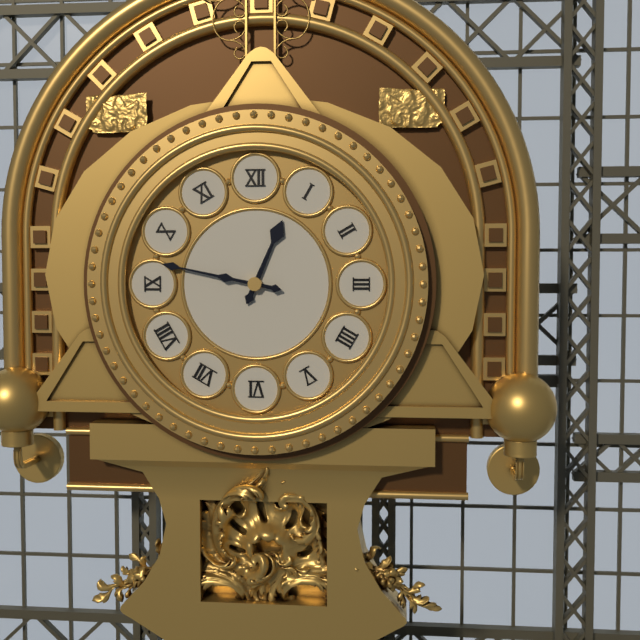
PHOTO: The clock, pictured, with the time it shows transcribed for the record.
12:47
